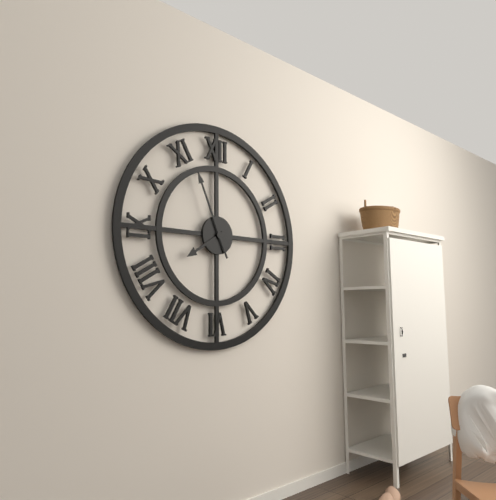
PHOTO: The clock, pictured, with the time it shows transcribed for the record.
7:56
